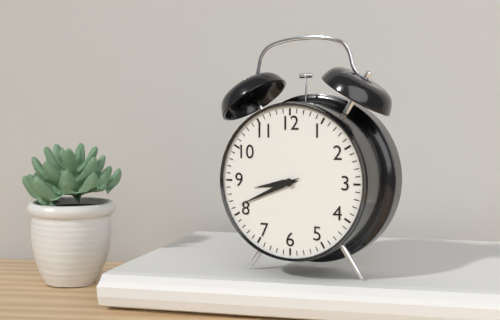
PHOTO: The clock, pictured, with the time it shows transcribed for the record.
8:41
